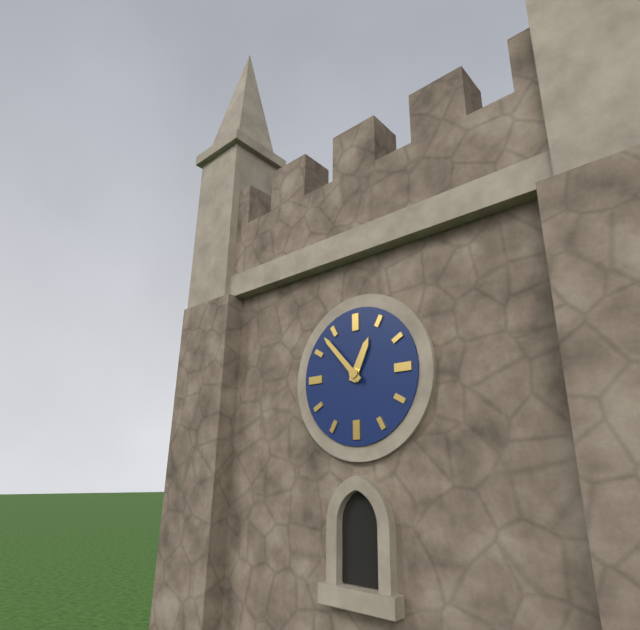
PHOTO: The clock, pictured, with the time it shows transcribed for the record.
12:53
